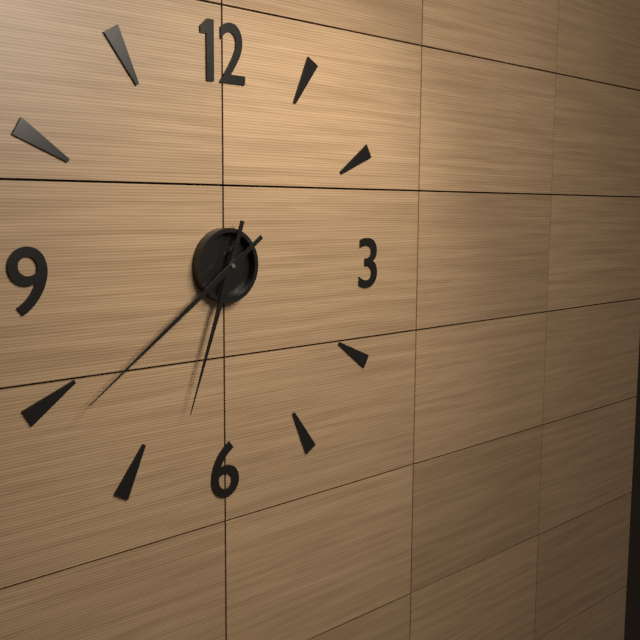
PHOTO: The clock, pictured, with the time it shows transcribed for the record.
6:39
